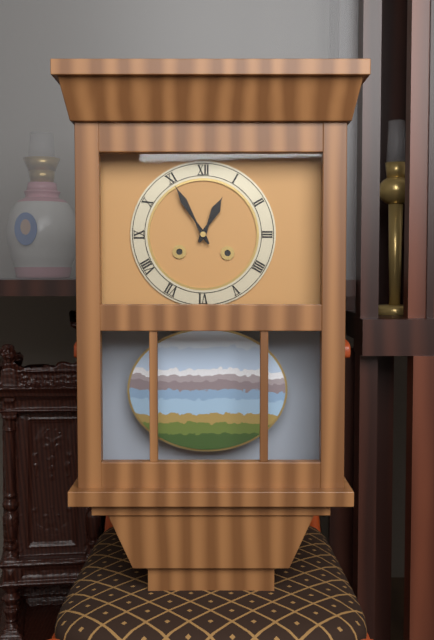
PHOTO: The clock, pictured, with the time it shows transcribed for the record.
12:55
